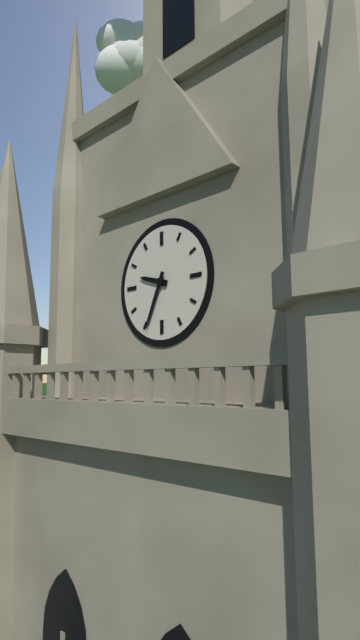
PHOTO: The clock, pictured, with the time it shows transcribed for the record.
9:34
